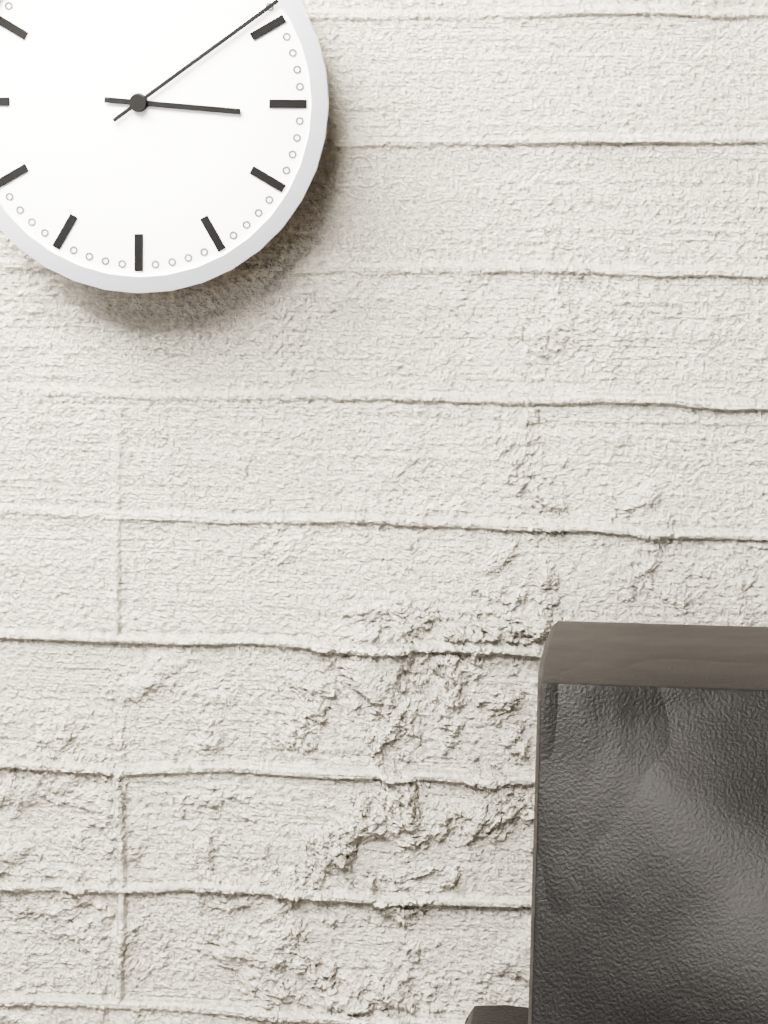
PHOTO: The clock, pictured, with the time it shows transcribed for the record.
3:09
